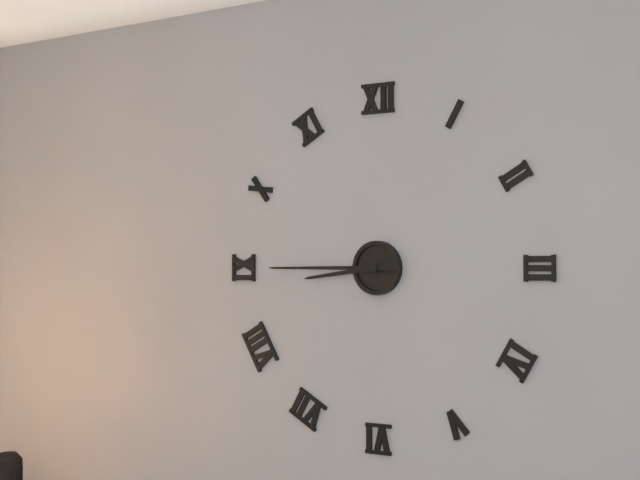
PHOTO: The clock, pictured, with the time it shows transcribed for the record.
8:45
